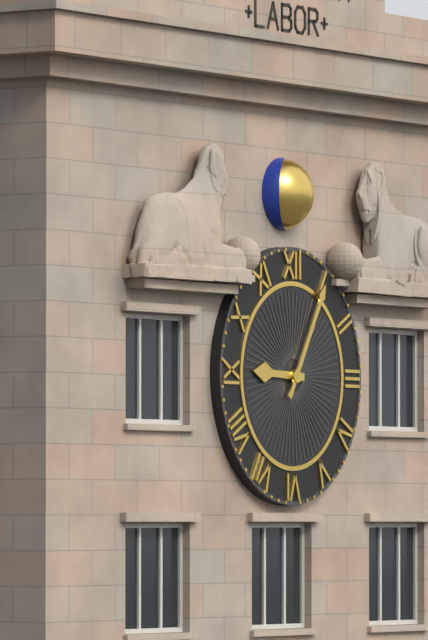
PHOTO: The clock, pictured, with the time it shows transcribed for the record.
9:05
